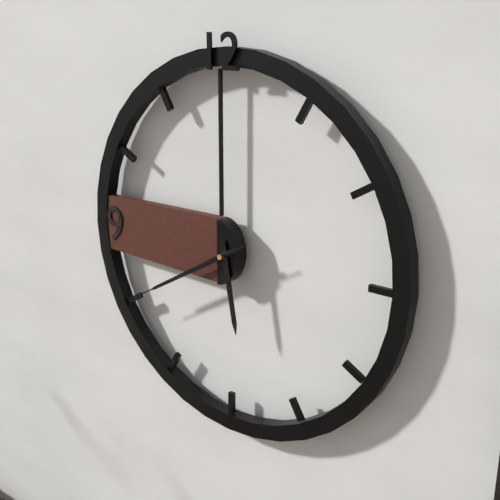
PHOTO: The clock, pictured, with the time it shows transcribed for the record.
5:40:40
